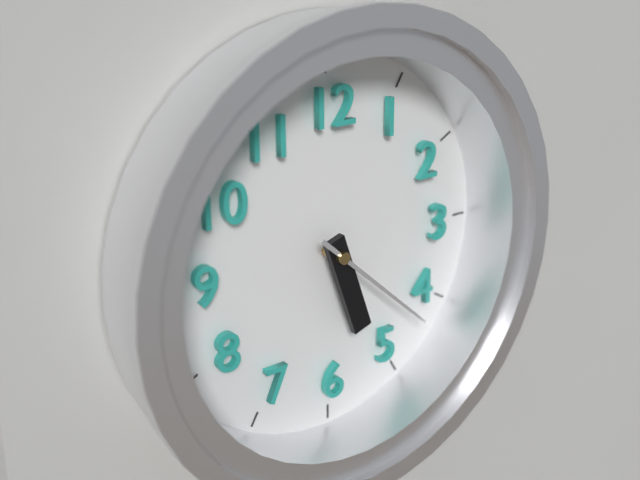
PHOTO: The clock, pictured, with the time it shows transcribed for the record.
5:22
